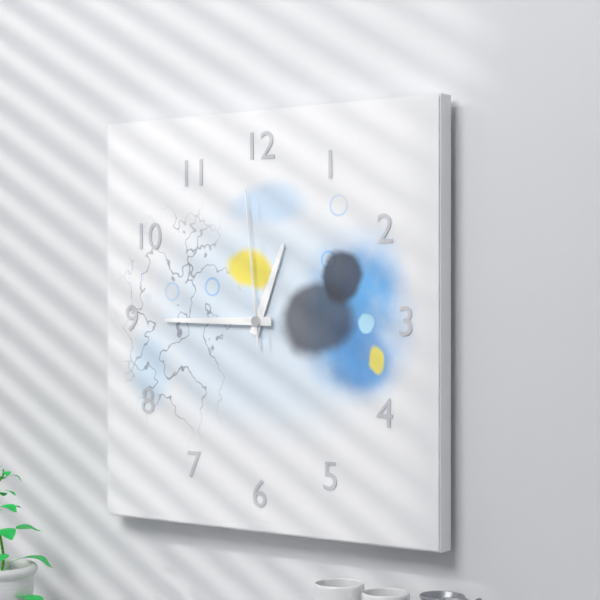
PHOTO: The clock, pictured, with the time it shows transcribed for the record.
12:45:59
